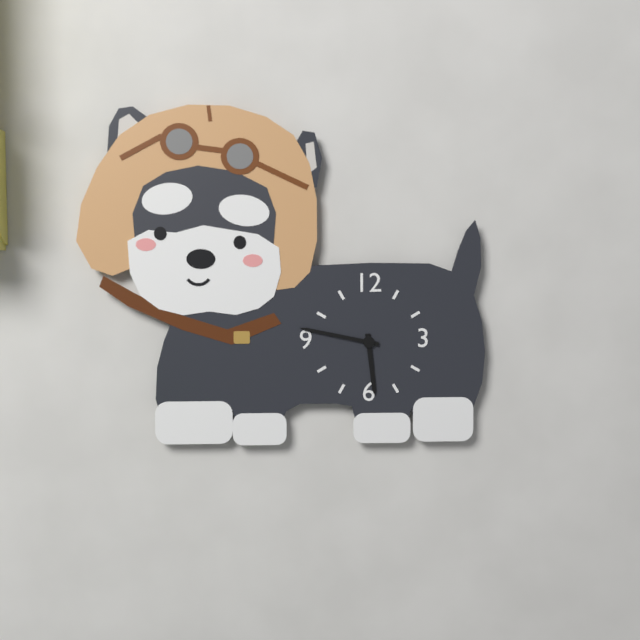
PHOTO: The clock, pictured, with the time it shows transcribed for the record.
5:47
